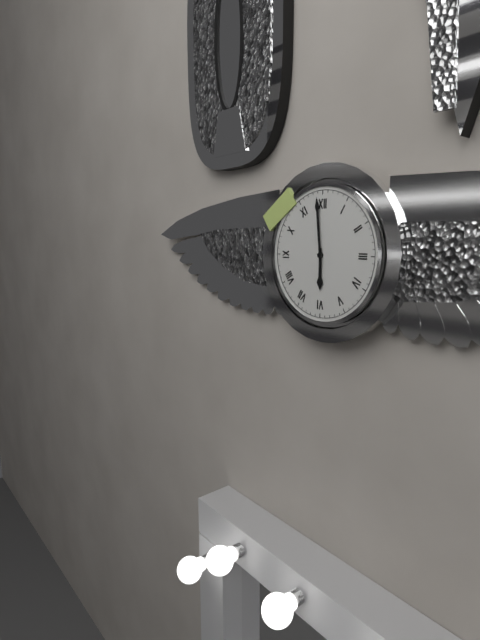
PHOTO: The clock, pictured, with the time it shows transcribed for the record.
5:59
